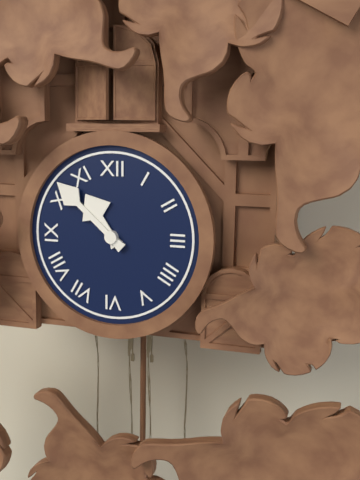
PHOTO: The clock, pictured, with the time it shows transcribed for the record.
10:52
